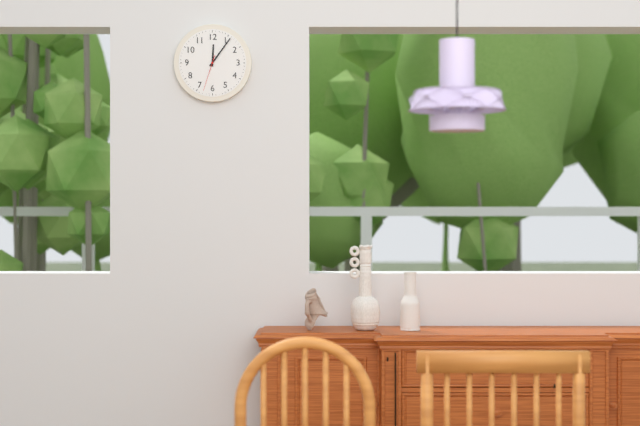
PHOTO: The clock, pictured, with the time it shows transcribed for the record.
12:06
